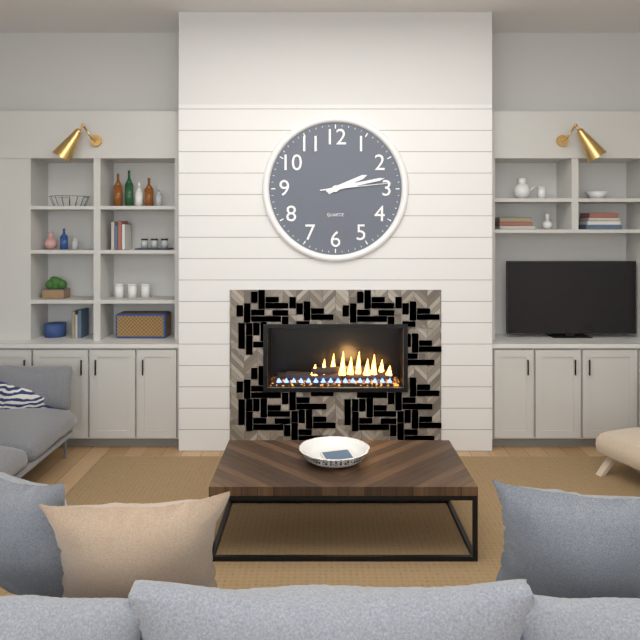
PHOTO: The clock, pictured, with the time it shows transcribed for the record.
2:13:14
